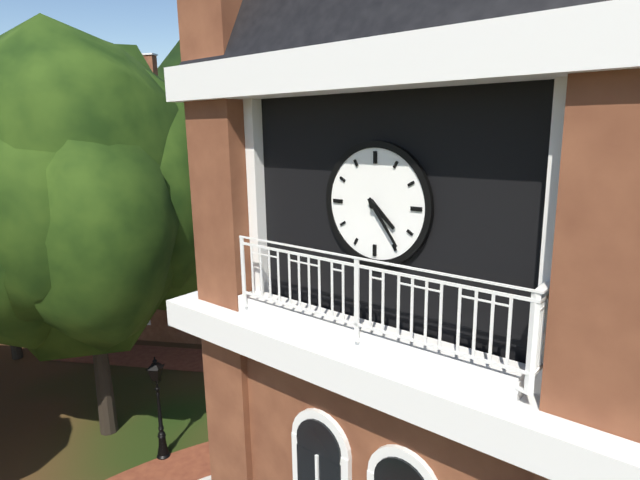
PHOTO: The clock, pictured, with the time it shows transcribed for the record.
4:24
